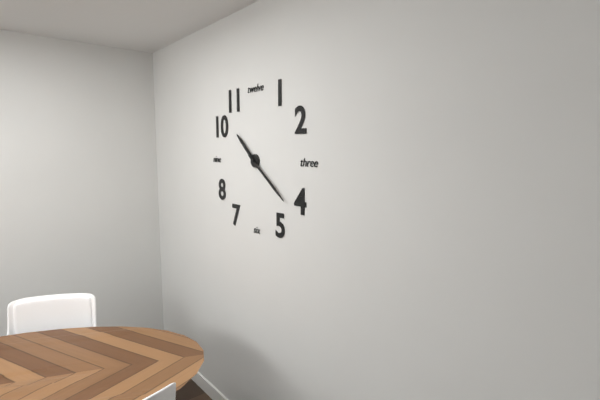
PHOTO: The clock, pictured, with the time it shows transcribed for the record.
10:21
